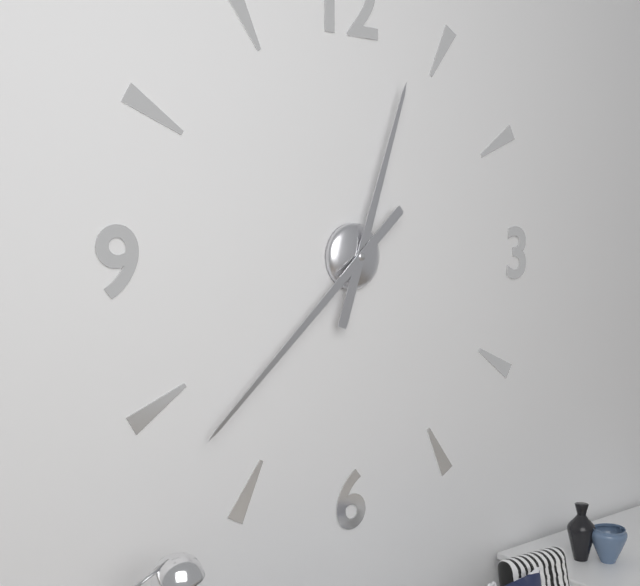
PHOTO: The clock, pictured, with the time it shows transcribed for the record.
12:38
